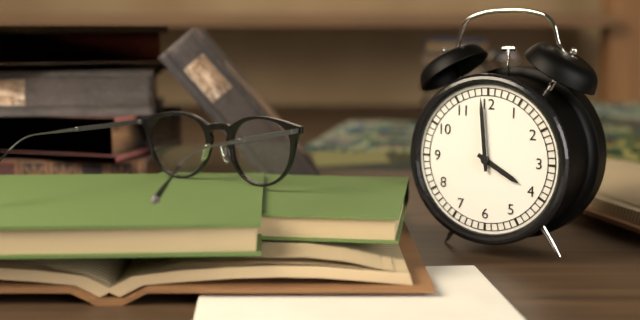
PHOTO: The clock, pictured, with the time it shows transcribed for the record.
3:59
